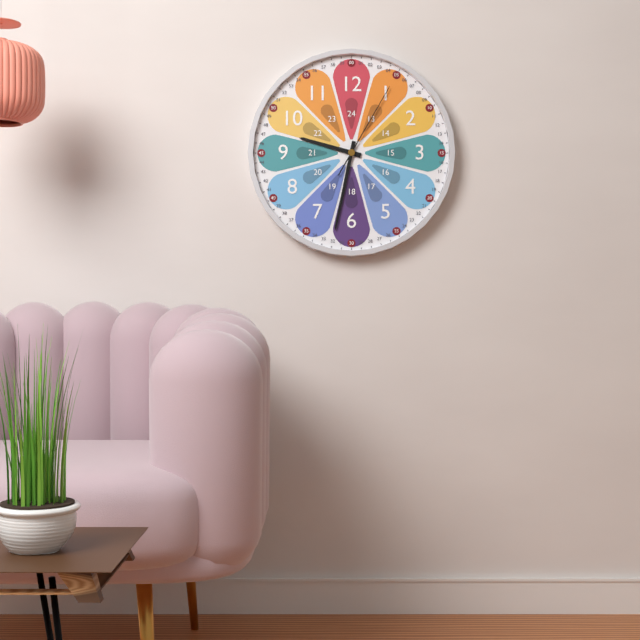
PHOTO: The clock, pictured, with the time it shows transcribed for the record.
9:32:05
